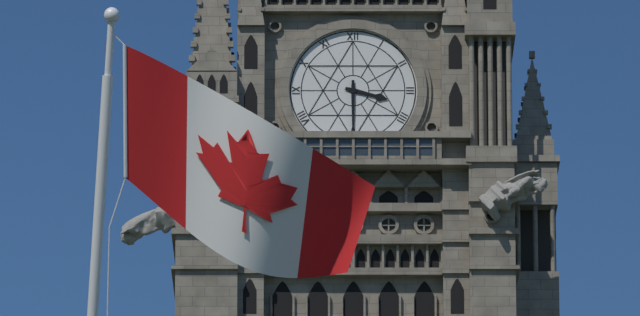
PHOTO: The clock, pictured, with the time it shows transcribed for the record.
3:30
